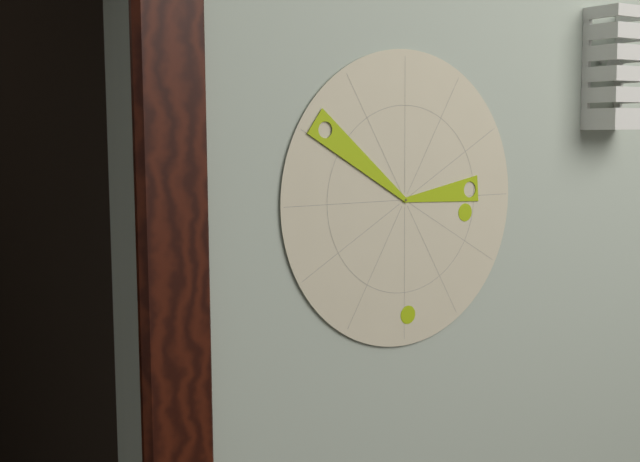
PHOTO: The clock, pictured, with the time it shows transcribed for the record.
2:51
